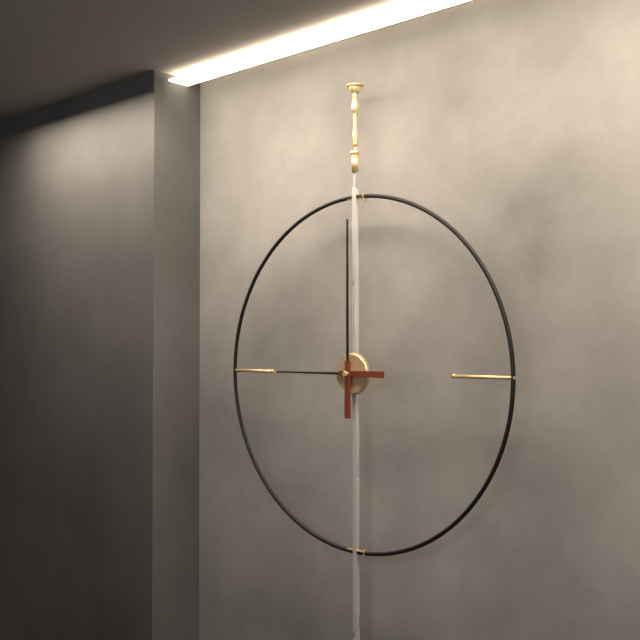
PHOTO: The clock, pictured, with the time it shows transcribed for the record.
9:00
